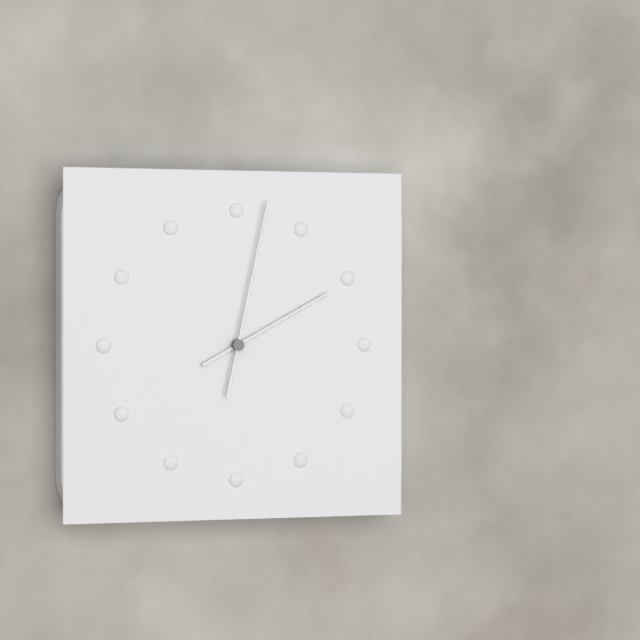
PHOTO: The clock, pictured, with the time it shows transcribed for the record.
2:02
